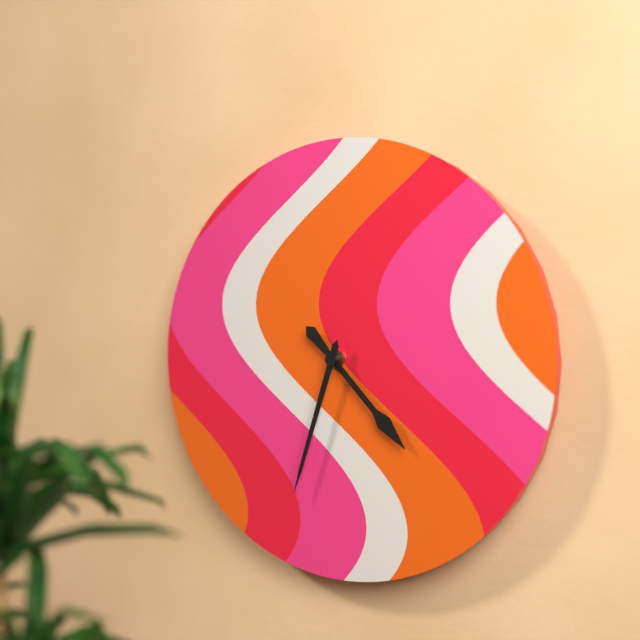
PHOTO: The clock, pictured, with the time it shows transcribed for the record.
4:33
